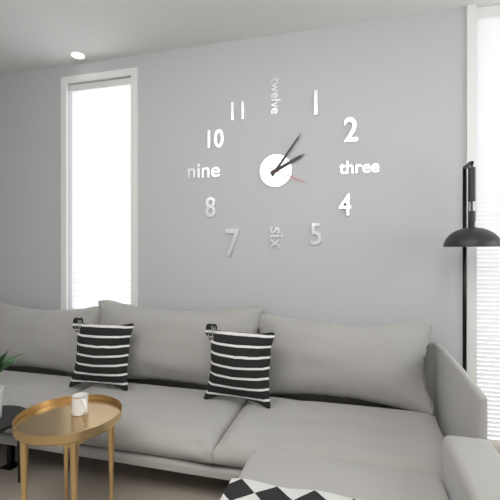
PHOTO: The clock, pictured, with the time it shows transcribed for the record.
2:06
